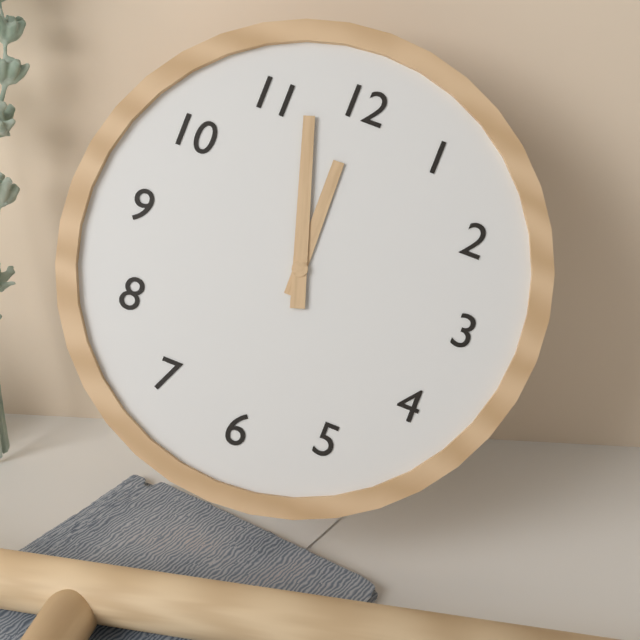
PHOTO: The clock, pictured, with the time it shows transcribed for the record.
11:57
